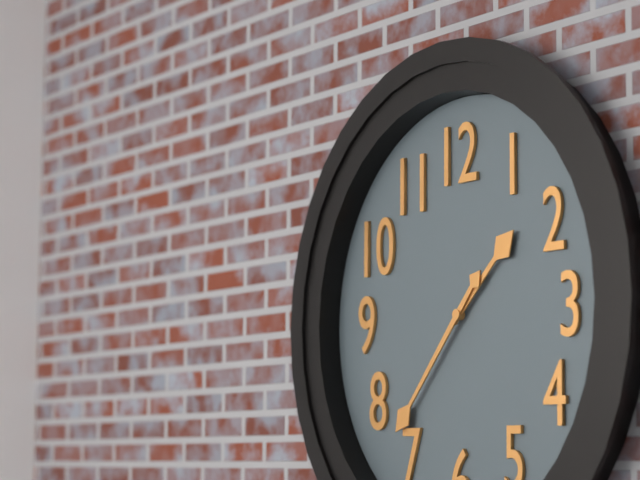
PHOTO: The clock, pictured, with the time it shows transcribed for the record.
1:37
